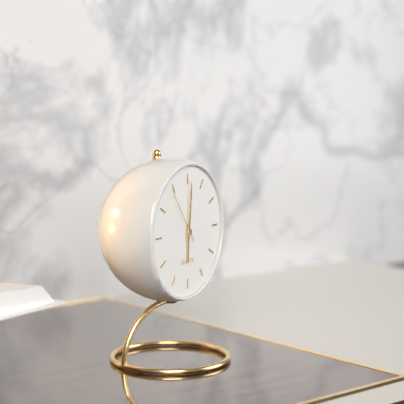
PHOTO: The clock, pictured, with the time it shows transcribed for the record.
6:01:54
